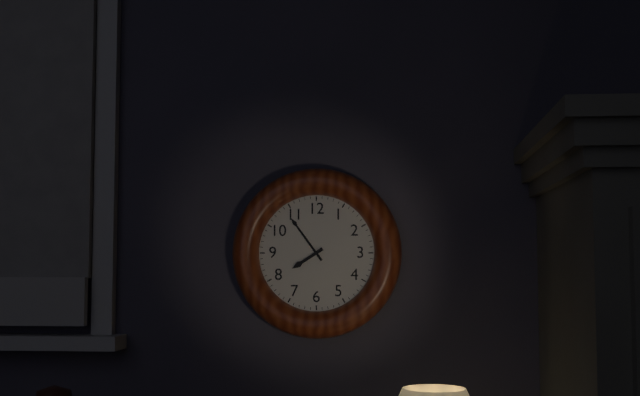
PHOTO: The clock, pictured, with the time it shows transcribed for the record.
7:54
